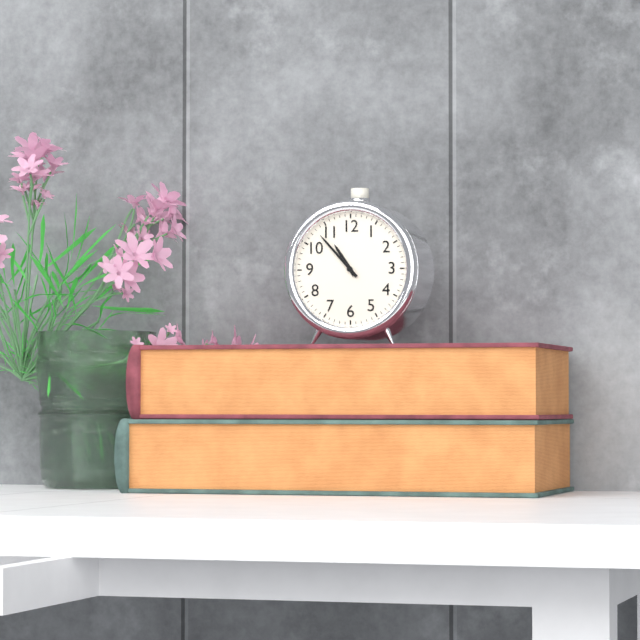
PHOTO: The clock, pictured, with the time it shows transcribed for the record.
10:53
